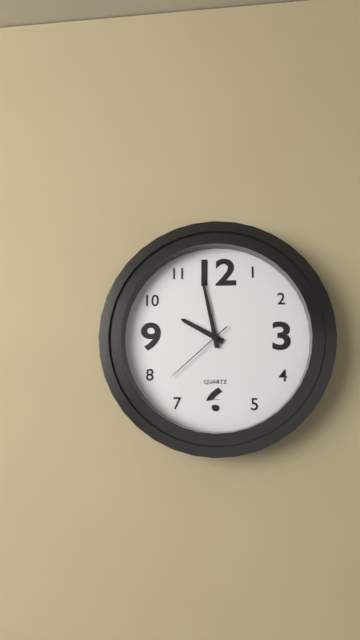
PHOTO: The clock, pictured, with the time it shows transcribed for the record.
9:58:38
